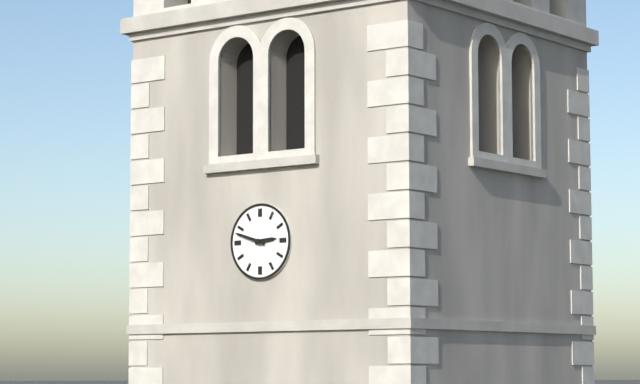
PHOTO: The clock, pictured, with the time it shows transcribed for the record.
2:48
